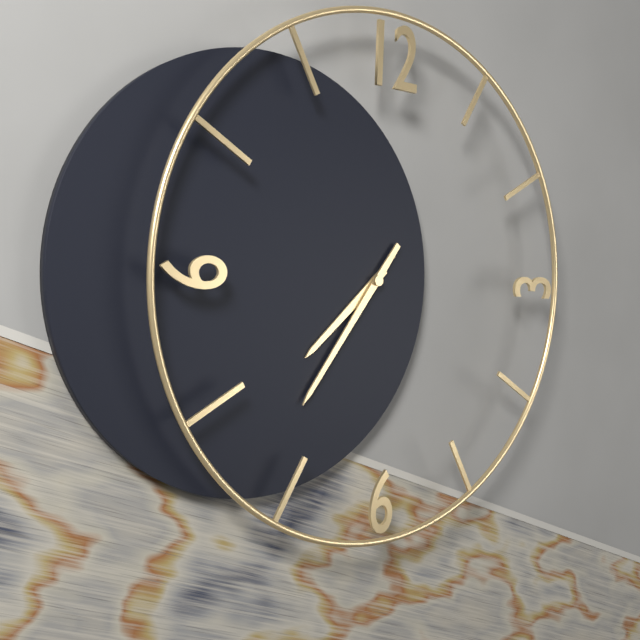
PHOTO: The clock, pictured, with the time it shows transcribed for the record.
7:36
